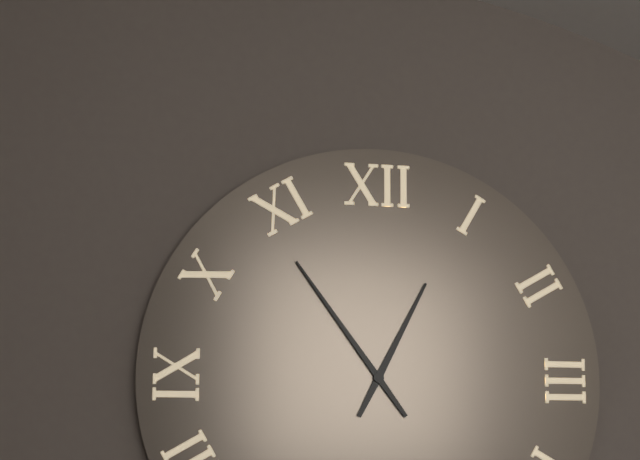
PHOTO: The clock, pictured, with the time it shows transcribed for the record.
12:54
